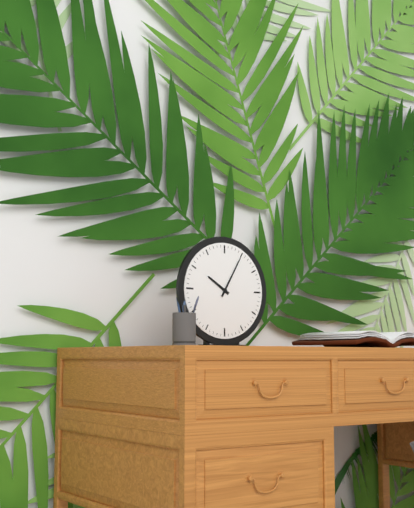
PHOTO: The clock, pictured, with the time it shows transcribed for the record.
10:05
